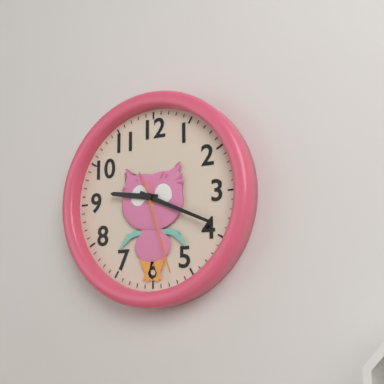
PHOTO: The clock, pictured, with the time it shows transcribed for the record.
9:19:27
